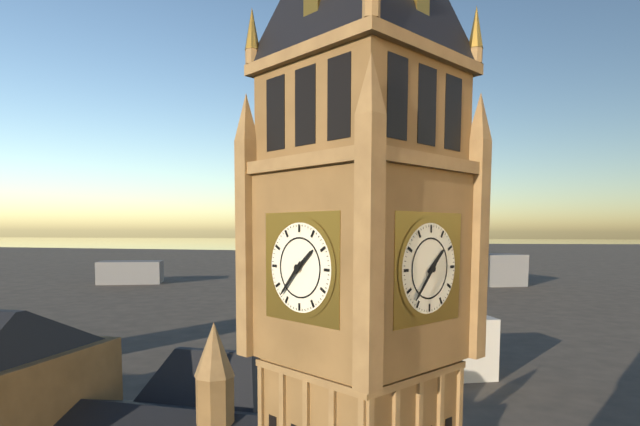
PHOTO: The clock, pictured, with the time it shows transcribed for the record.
1:37
